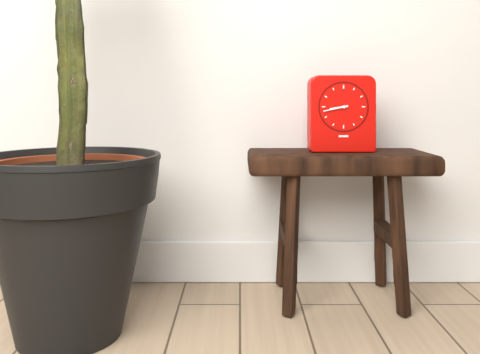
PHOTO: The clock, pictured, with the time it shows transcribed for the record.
8:43
